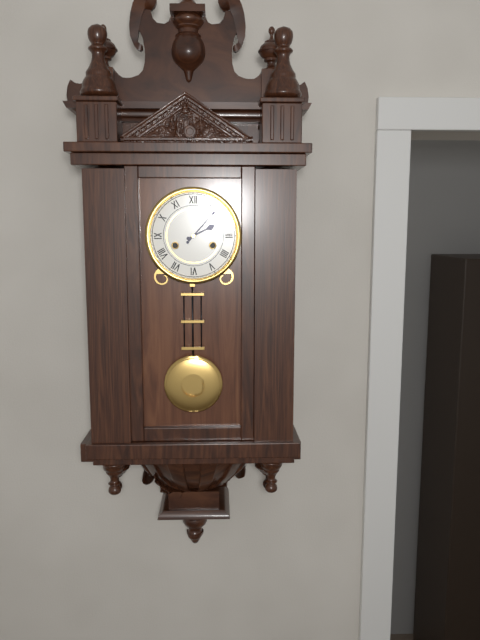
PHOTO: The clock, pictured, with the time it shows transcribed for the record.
2:07
